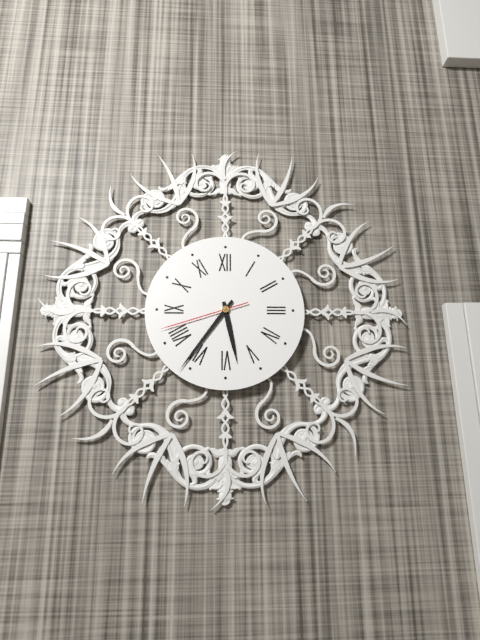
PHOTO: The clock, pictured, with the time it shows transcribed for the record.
5:36:42
